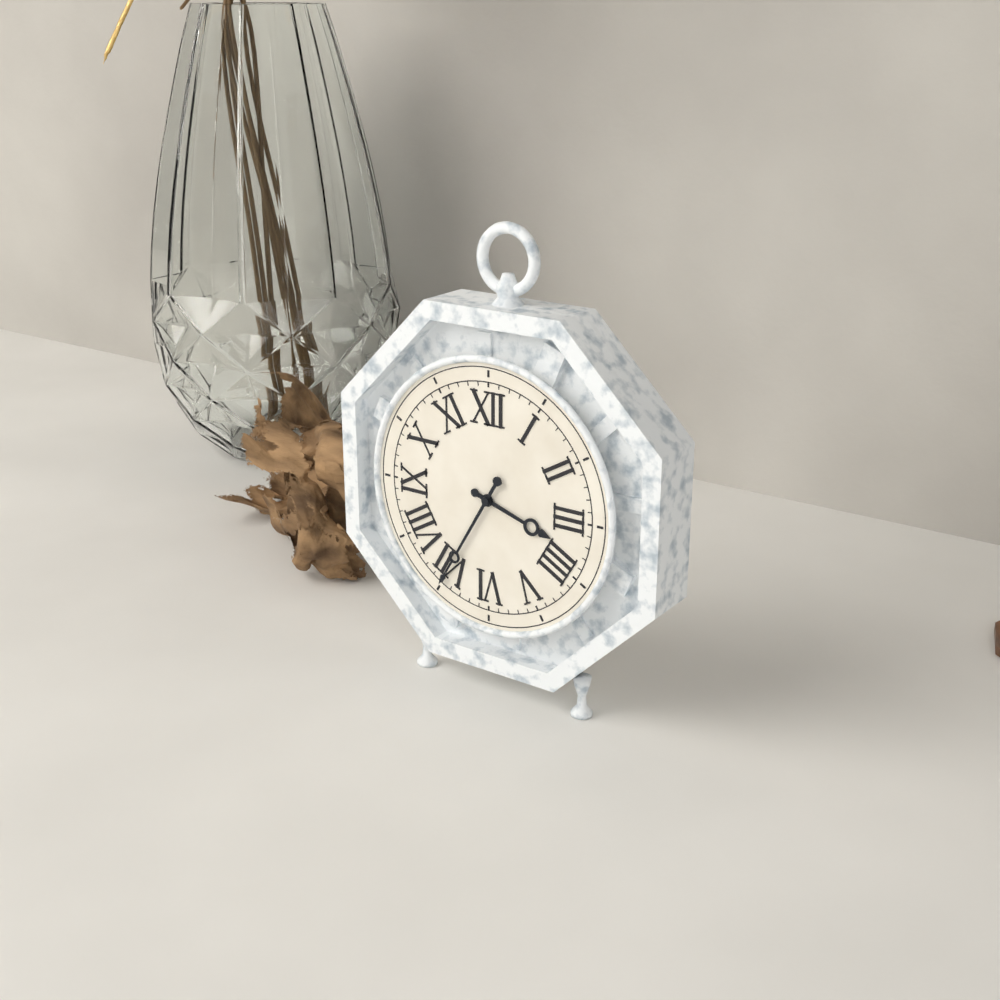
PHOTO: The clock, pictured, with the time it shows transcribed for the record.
3:35
